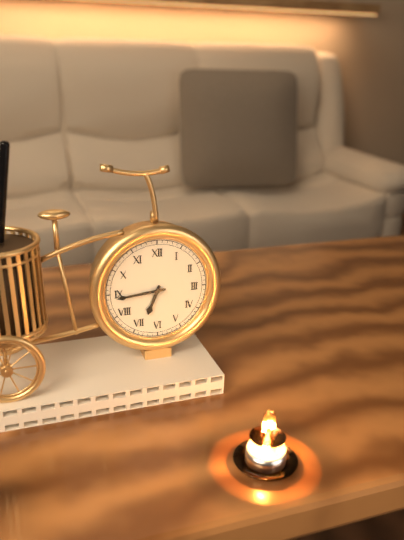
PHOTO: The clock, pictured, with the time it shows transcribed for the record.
6:44
